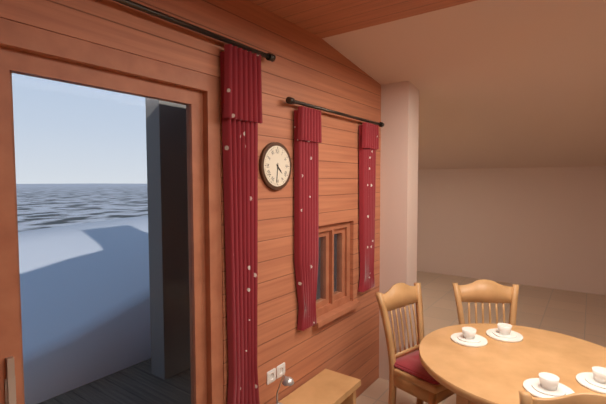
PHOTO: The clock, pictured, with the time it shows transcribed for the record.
4:31
